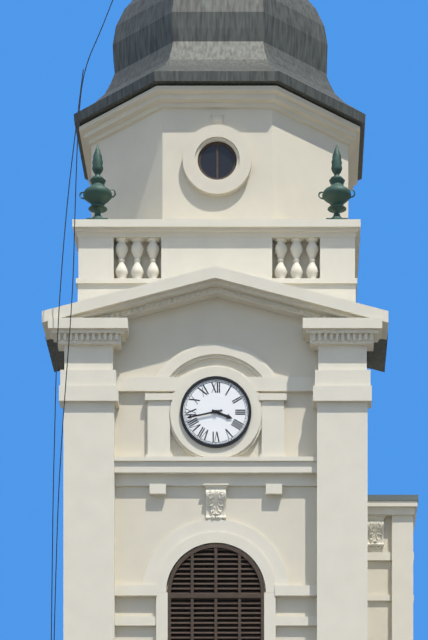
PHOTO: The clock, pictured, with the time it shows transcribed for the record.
3:43
